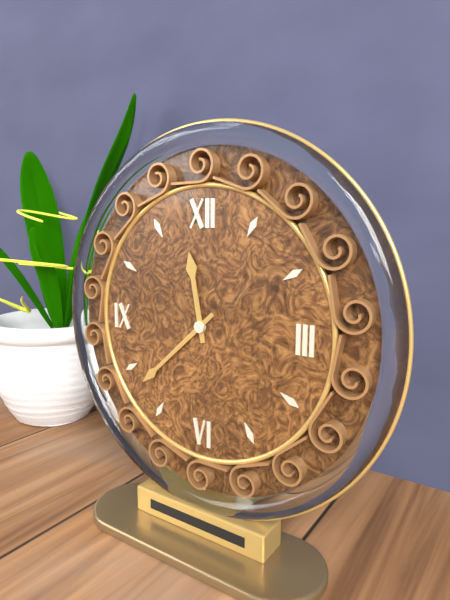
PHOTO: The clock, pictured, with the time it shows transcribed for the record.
11:38
